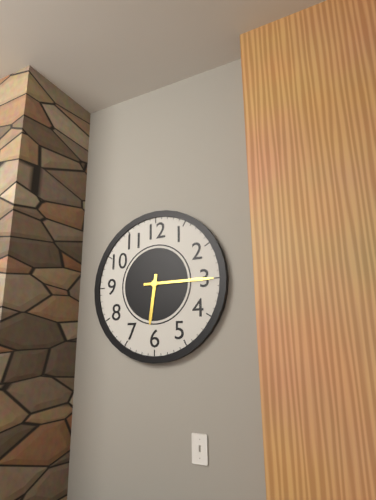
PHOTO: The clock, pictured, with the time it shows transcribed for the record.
6:15
